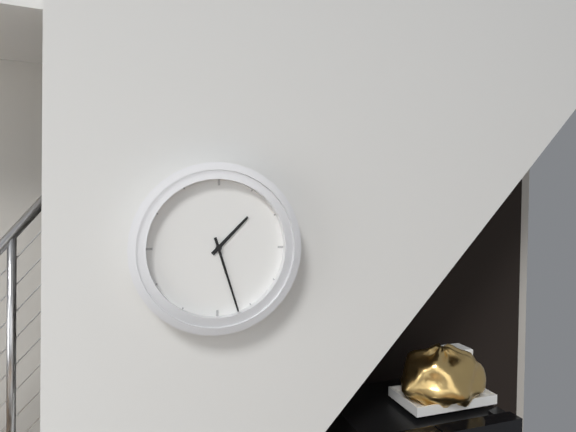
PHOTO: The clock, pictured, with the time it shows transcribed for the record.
1:27
